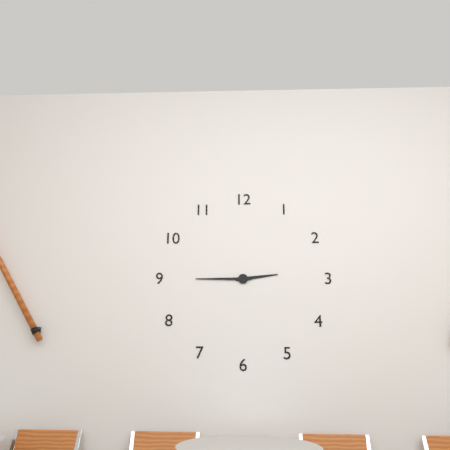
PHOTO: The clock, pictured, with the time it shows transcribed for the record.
2:45
